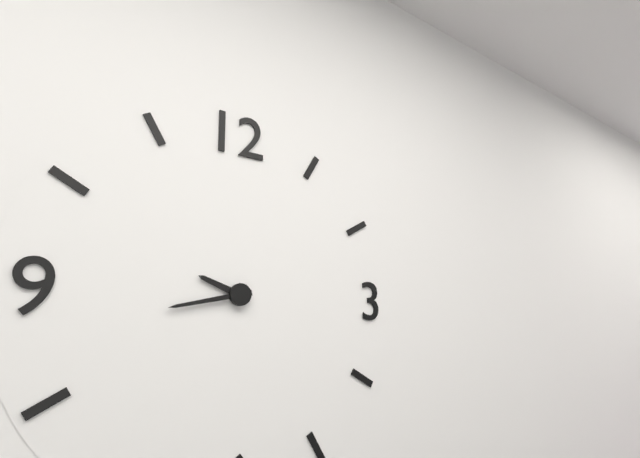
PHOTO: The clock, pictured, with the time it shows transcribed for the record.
9:43
